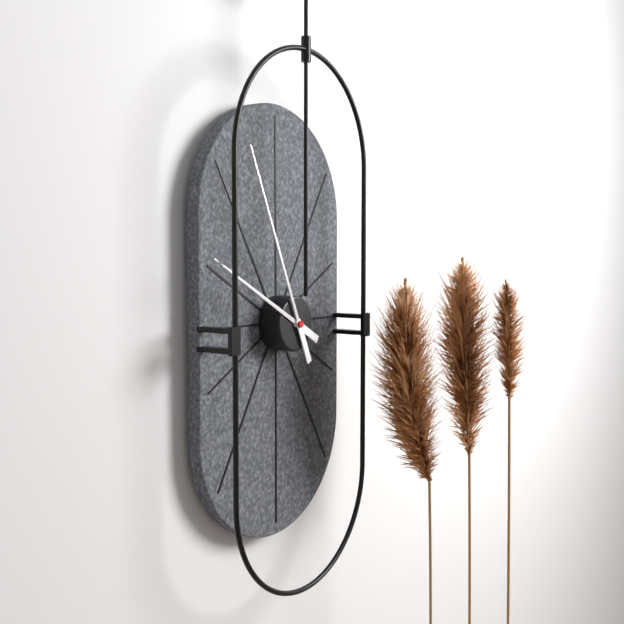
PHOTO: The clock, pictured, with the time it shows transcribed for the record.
9:56
